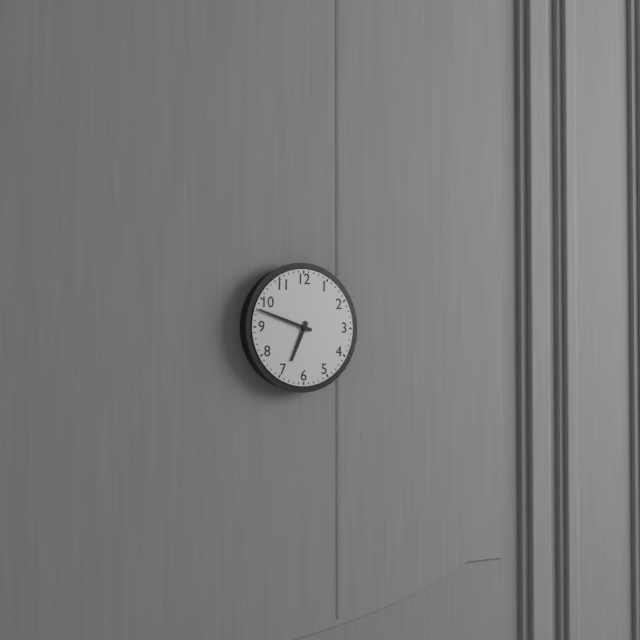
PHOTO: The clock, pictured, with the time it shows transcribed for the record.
6:48
